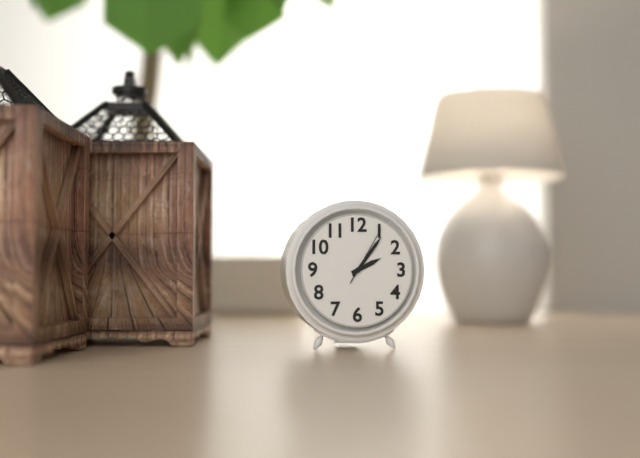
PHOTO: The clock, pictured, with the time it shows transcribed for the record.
2:06:05
